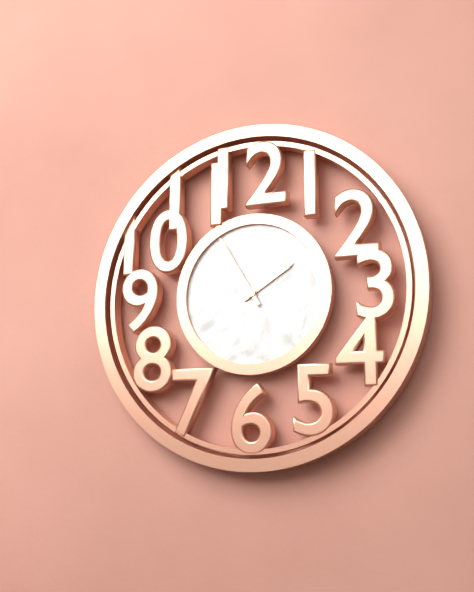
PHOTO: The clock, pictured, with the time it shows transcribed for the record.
1:55
